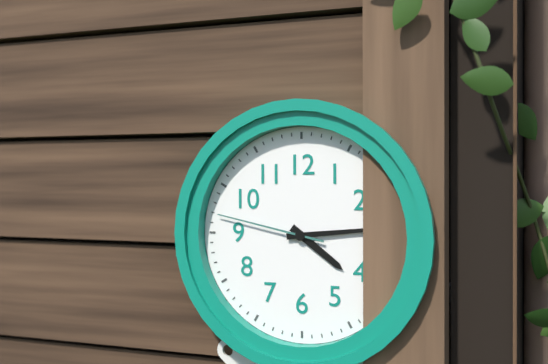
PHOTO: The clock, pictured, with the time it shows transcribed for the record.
4:14:47
